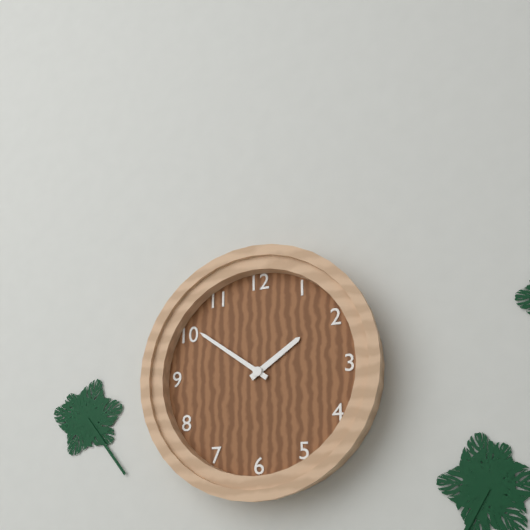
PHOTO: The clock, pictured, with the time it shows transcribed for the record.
1:51
